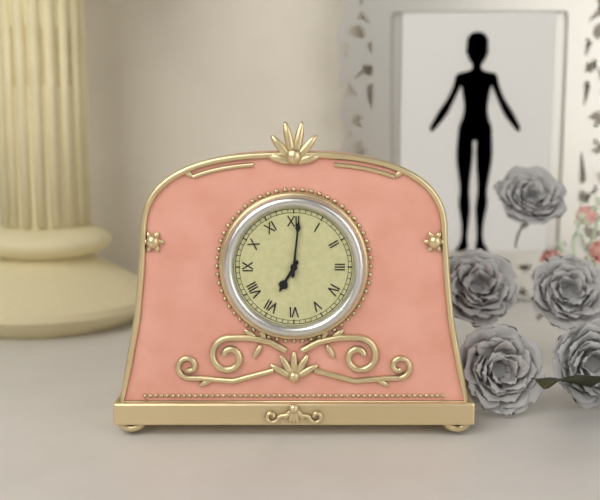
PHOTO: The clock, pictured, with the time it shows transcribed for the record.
7:01
